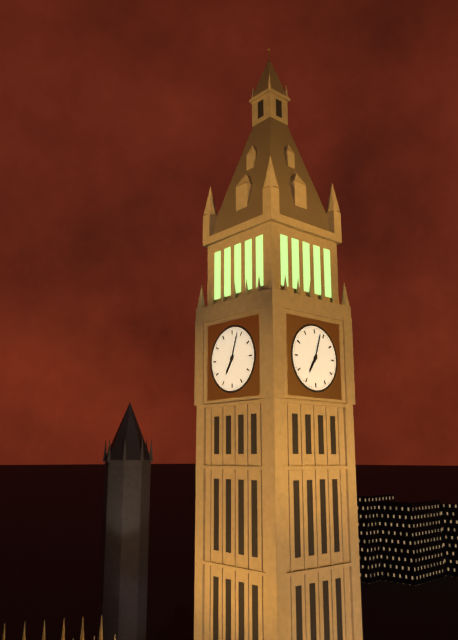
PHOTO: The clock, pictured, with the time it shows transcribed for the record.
7:03
